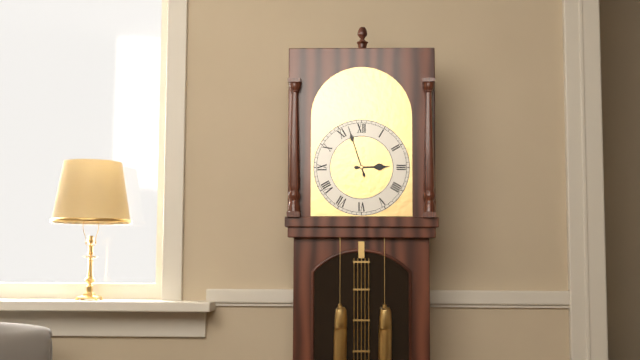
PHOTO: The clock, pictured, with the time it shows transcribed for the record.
2:57
